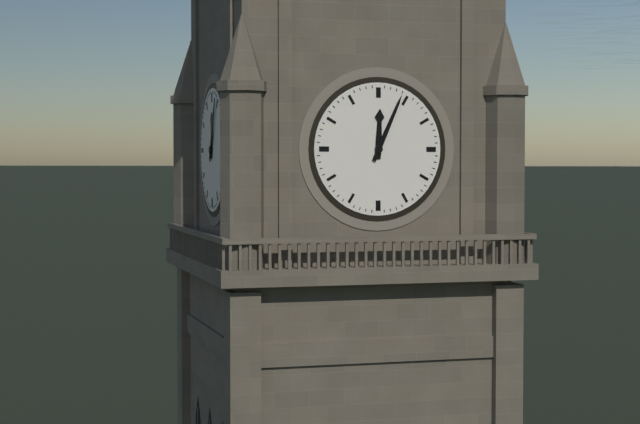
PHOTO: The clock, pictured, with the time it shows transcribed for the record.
12:04
